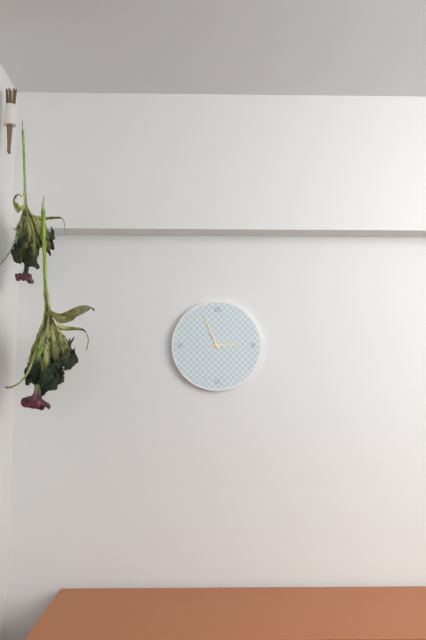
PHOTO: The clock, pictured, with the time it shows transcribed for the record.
2:56
